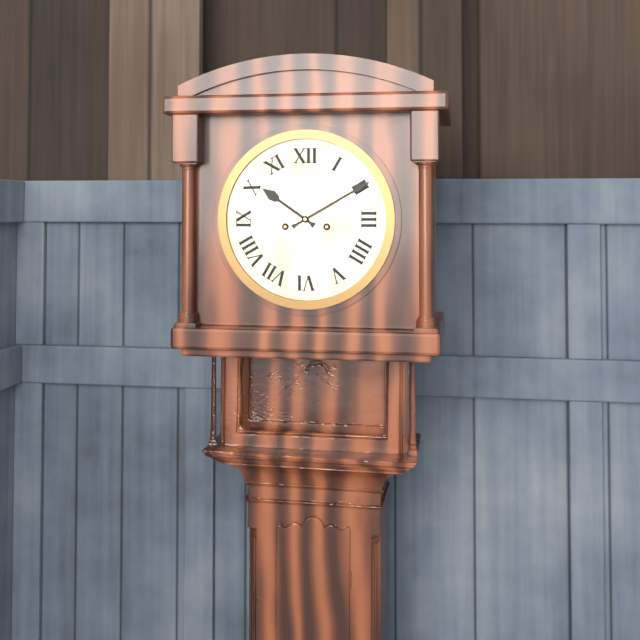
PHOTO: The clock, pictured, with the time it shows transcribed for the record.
10:10
